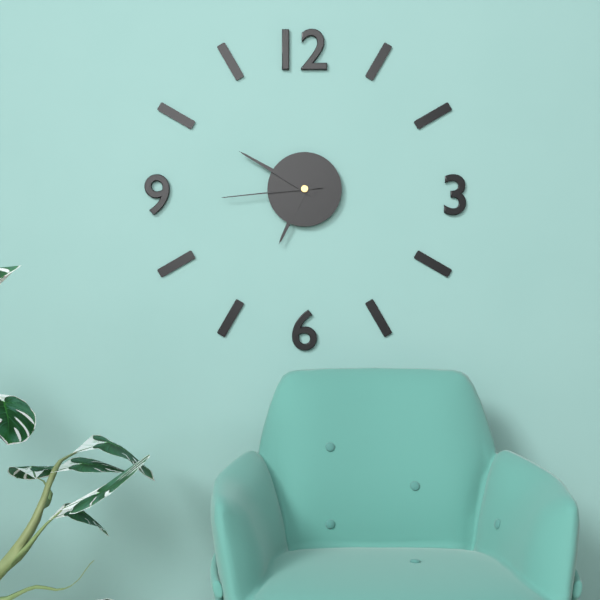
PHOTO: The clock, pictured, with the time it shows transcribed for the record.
6:50:44
